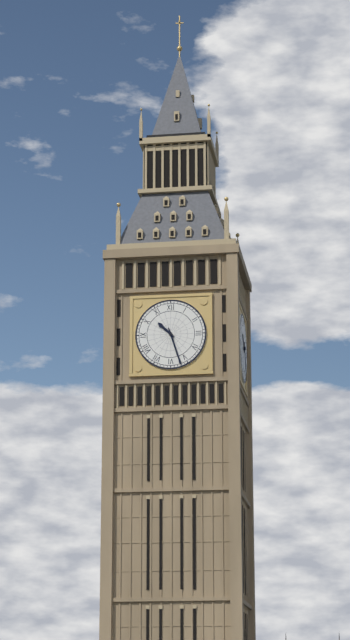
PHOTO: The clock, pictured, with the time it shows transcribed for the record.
10:27
